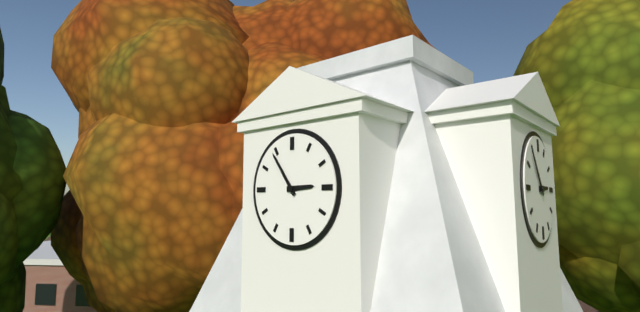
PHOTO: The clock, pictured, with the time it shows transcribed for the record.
2:54
